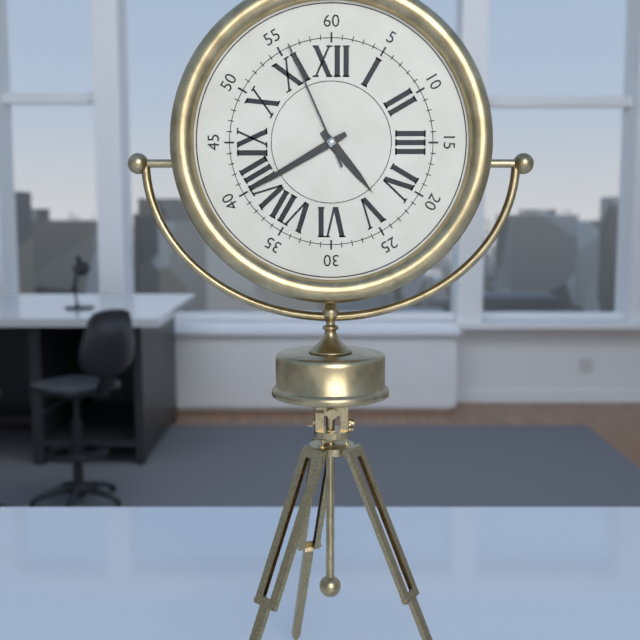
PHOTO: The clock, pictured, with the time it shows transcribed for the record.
4:40:56
